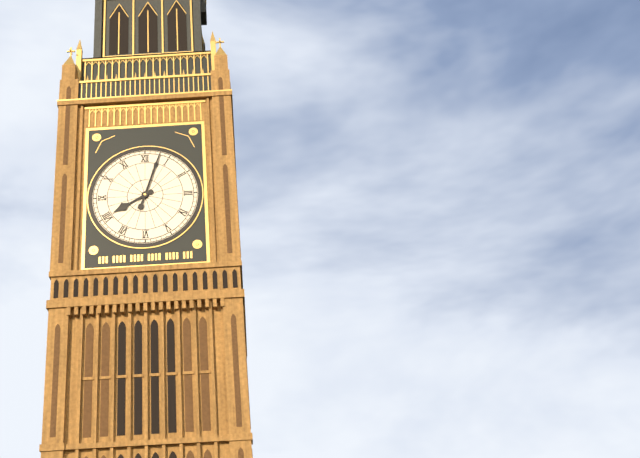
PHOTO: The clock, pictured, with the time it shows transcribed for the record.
8:03
